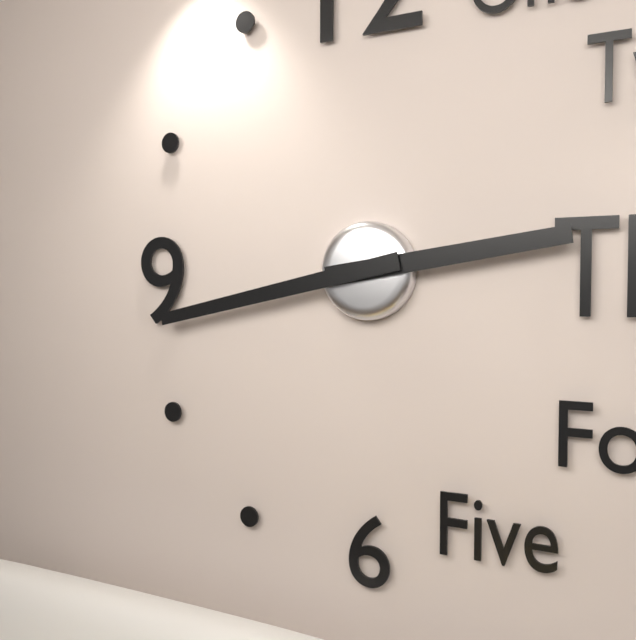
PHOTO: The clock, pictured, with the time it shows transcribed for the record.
2:43
